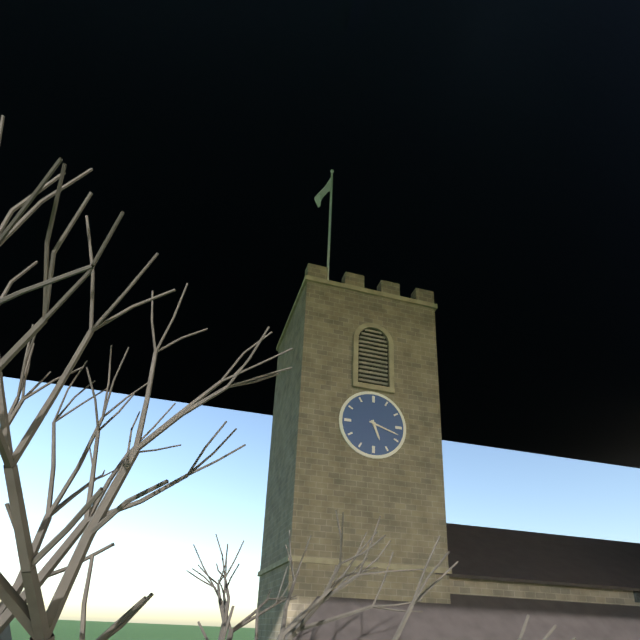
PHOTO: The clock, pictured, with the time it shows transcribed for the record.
5:18
